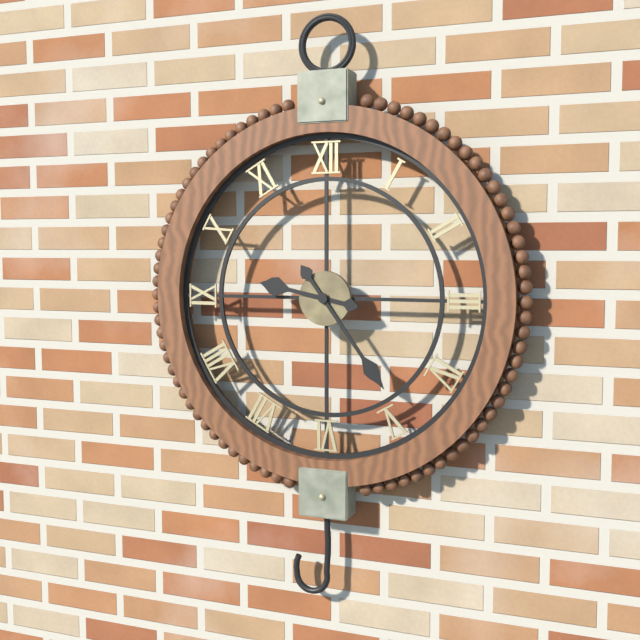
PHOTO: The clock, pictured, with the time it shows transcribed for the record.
9:24
